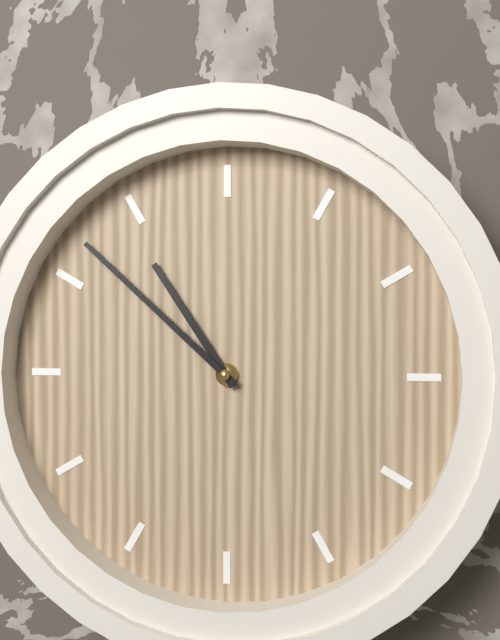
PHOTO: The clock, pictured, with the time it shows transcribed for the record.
10:52
